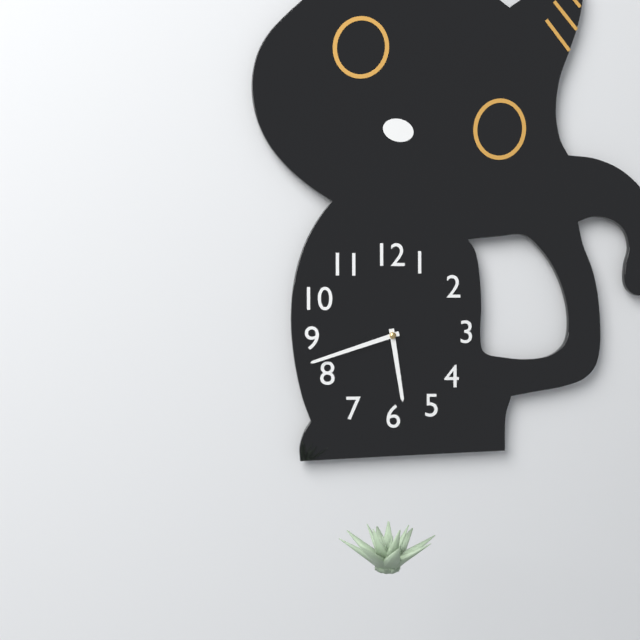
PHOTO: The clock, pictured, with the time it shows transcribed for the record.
5:42
